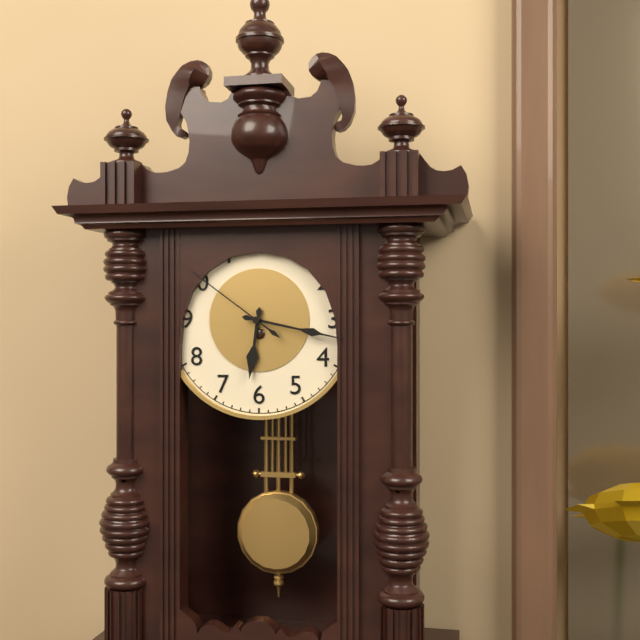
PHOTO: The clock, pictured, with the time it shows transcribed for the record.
6:17:51
